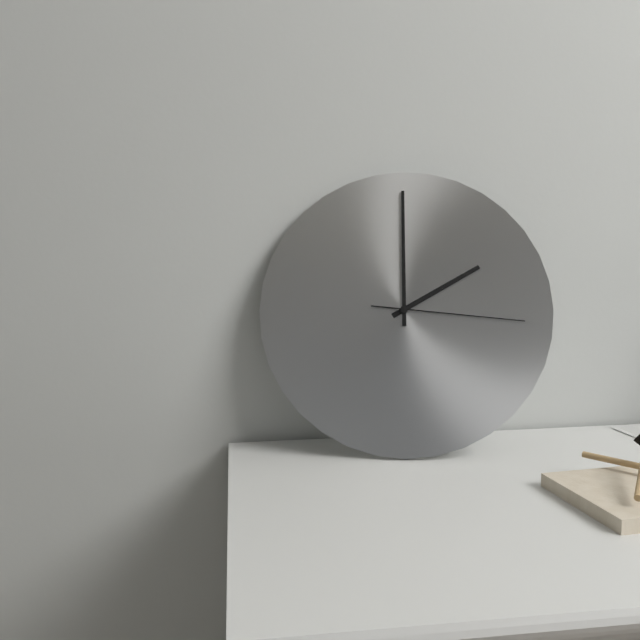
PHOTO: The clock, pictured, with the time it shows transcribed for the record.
2:00:16
